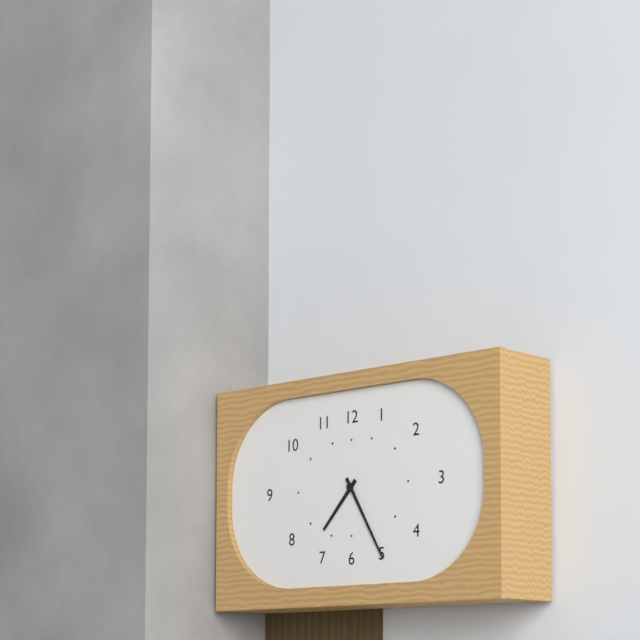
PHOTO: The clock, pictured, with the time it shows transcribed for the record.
7:25
